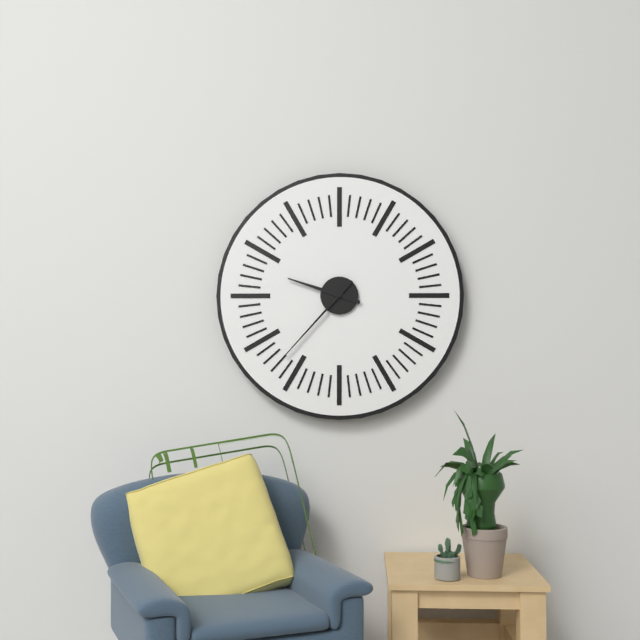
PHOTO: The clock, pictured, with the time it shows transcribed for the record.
9:37
